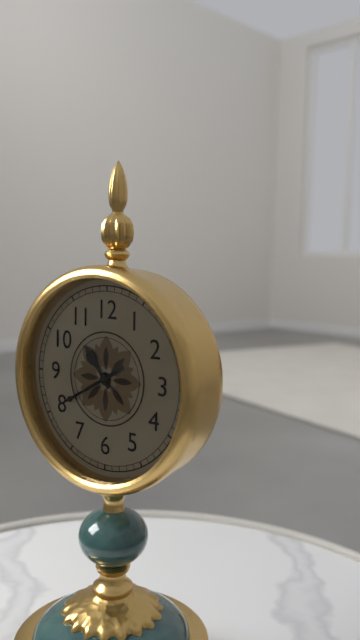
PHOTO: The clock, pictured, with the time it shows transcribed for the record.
10:40
